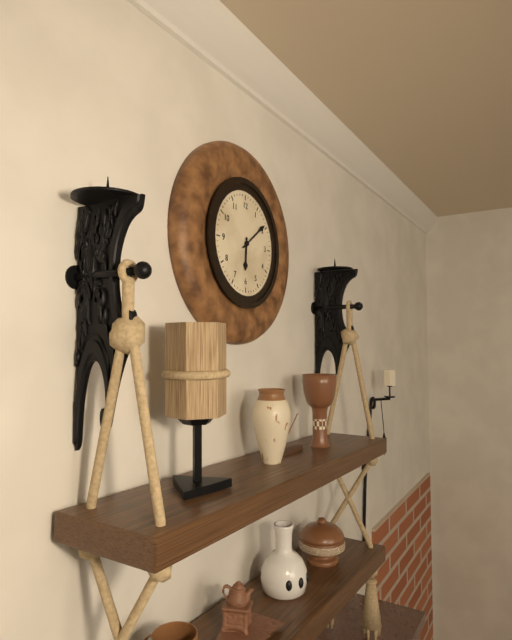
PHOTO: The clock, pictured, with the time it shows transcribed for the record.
6:09
